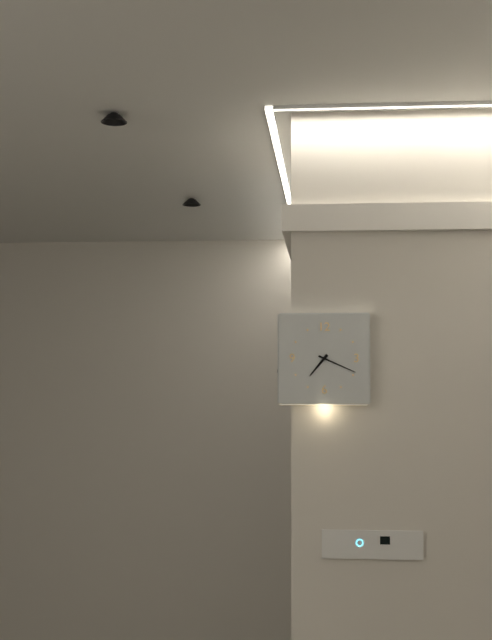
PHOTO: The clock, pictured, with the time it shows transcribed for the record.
7:19
